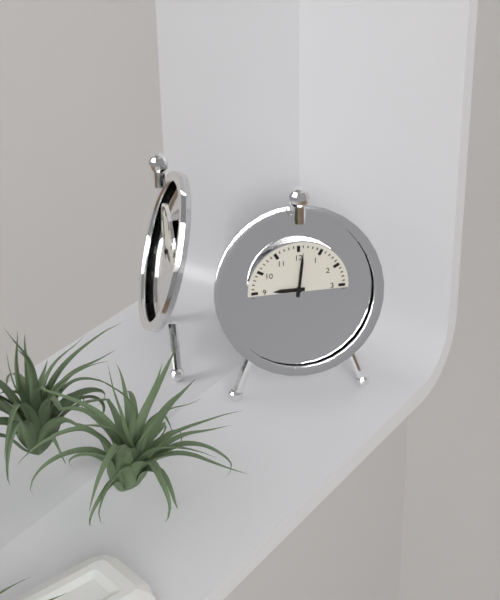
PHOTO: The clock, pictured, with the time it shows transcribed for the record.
9:01
